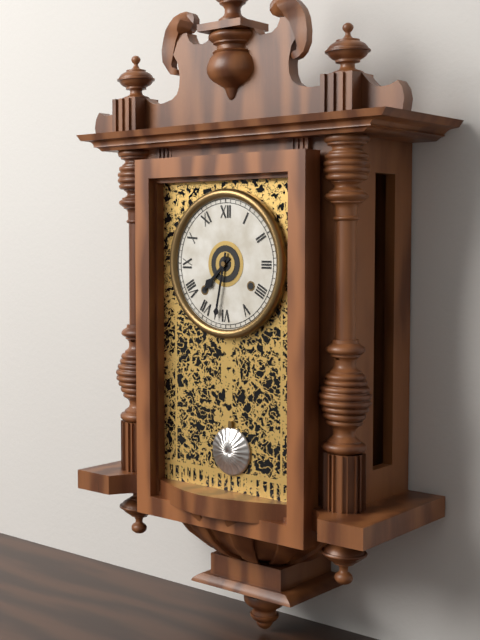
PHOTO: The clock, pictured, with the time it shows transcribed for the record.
7:32
